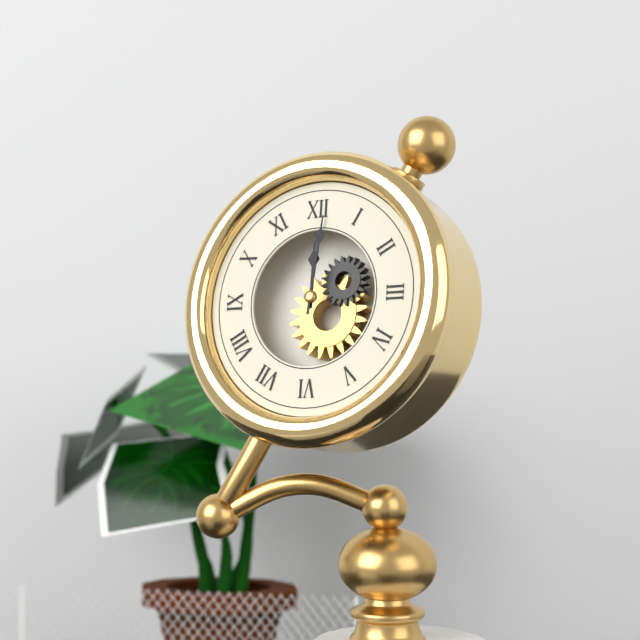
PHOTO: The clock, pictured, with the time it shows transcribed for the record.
12:01
